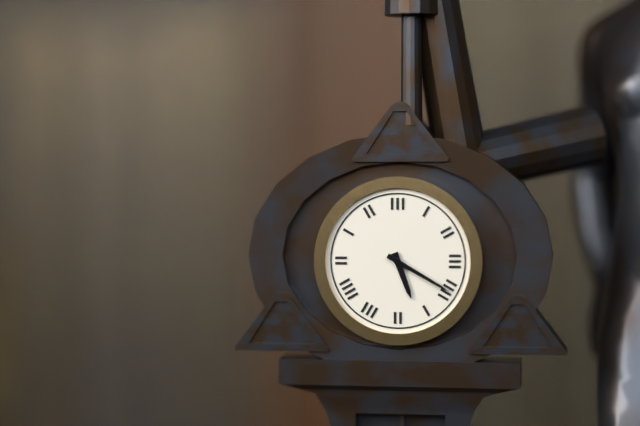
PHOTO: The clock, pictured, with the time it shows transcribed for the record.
5:20
